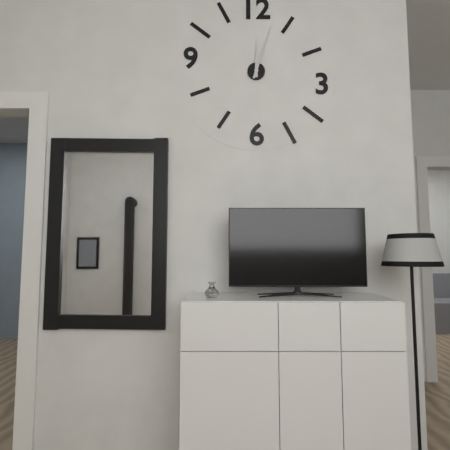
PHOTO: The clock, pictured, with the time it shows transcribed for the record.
12:03
